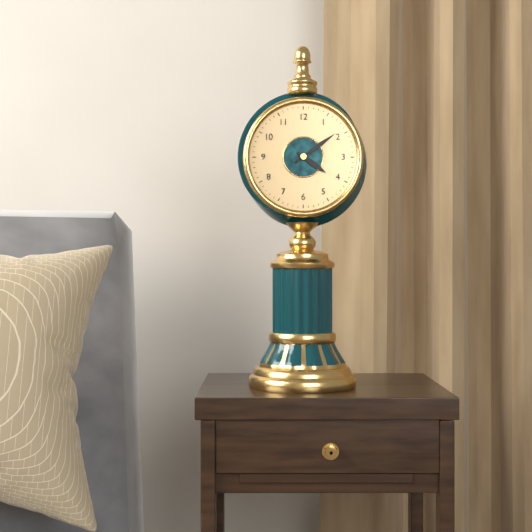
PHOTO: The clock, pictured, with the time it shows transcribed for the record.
4:09
